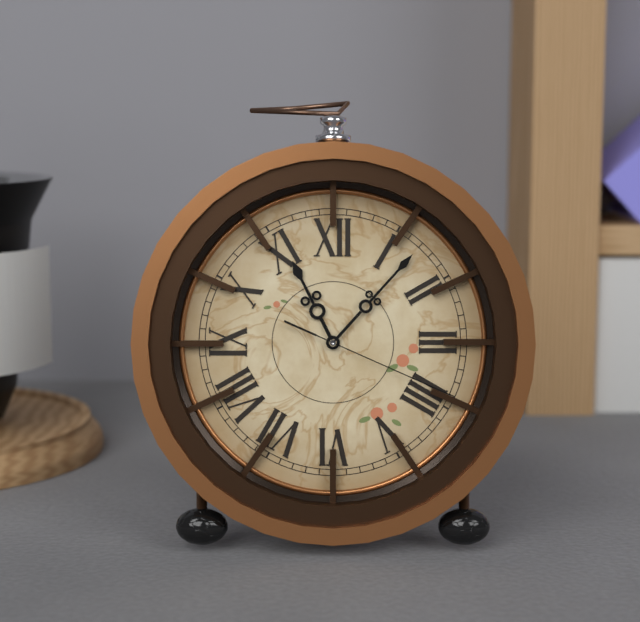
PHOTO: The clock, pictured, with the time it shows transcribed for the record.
11:07:19
